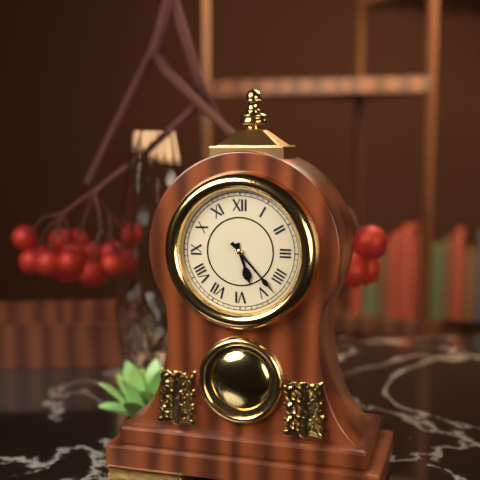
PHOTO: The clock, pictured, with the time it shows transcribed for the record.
5:23
